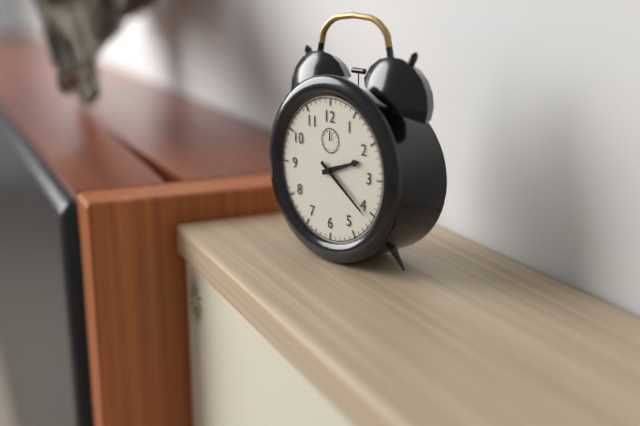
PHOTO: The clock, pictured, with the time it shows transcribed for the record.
2:21
